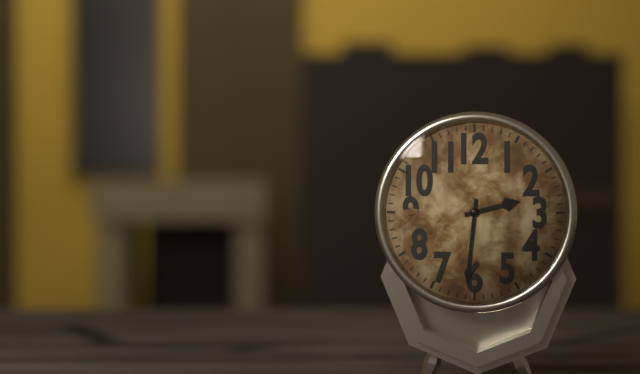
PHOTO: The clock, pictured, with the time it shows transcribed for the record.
2:31
